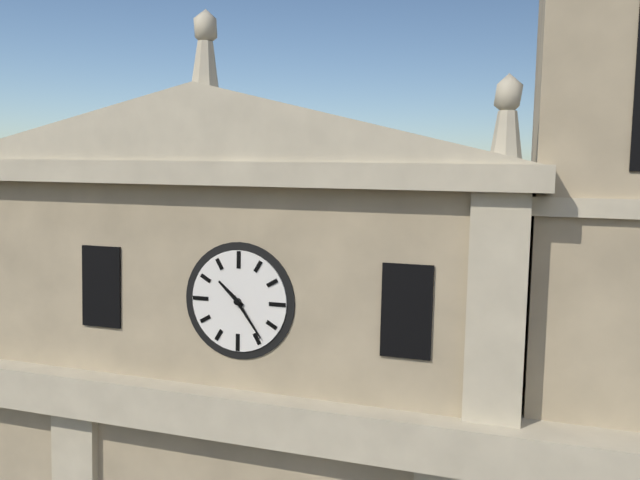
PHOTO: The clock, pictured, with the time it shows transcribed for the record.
10:24
